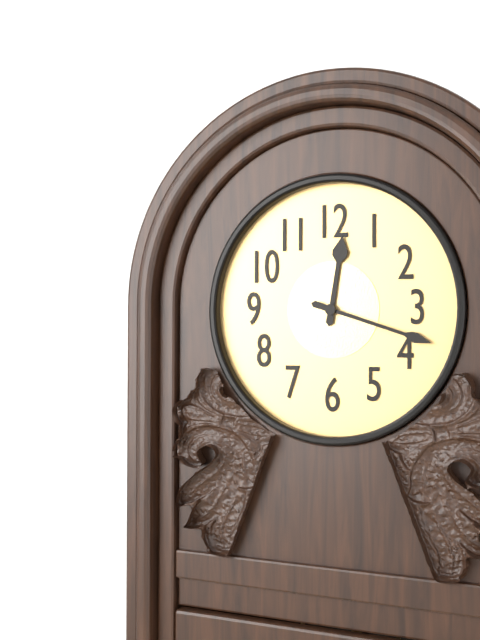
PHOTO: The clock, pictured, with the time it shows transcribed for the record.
12:18
